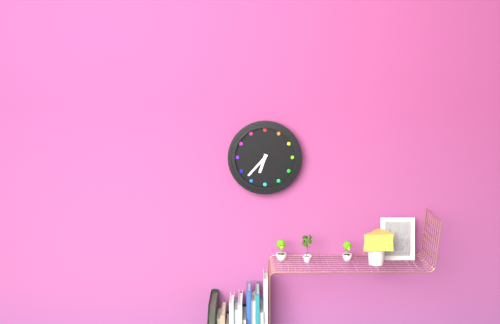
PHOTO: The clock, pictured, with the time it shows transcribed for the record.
6:37
